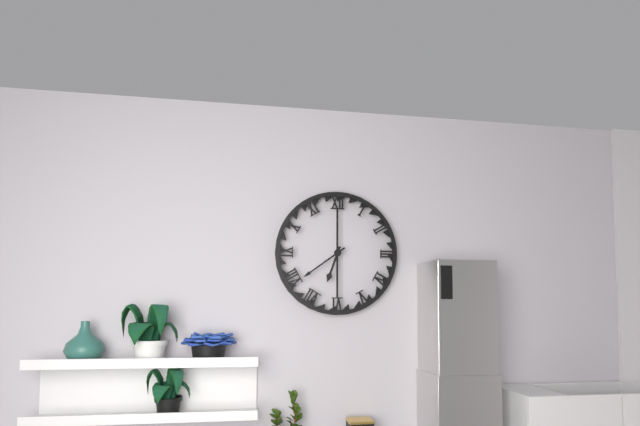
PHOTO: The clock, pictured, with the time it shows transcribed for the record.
6:39
